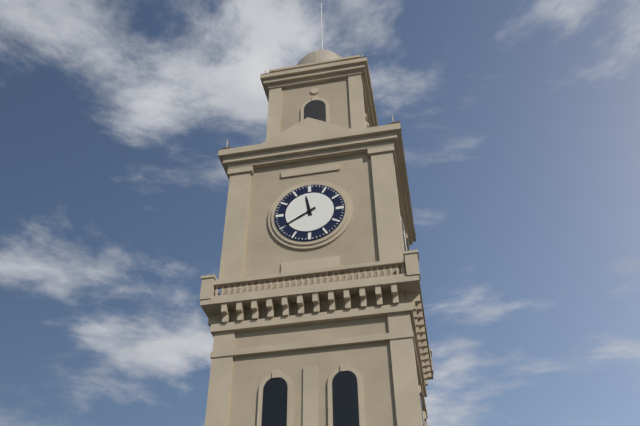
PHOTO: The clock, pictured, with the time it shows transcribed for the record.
11:40
